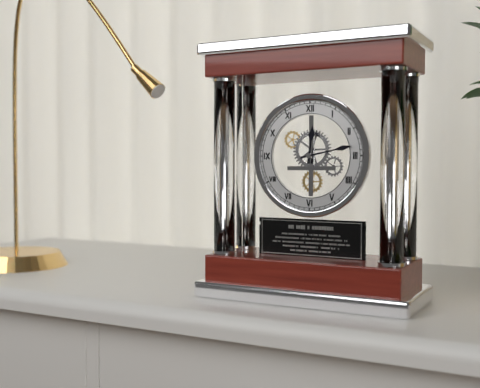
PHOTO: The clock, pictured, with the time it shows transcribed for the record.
12:13
